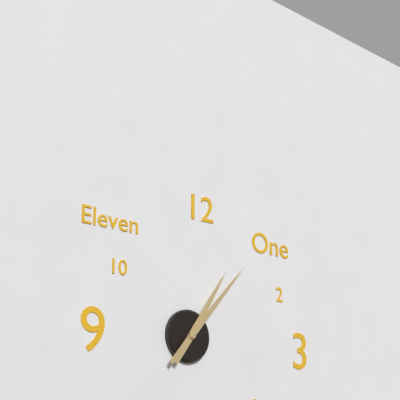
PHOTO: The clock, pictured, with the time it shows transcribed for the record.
1:07
